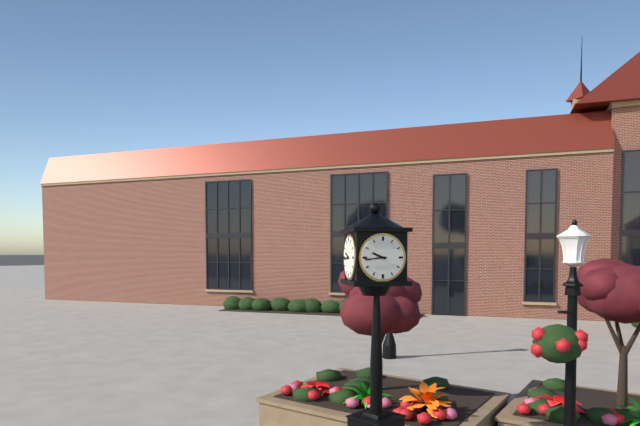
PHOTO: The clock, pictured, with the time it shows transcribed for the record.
9:44
